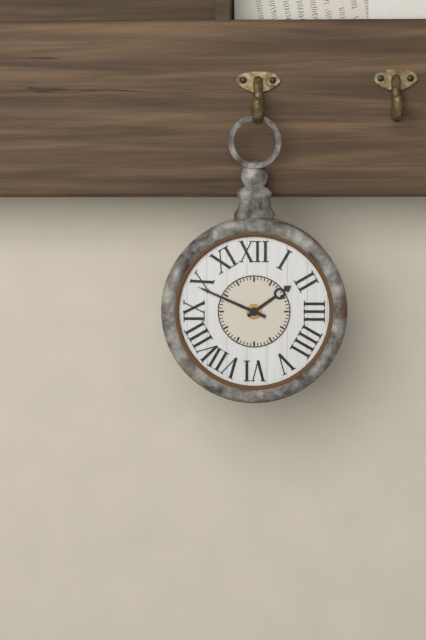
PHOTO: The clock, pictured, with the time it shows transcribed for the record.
1:49
